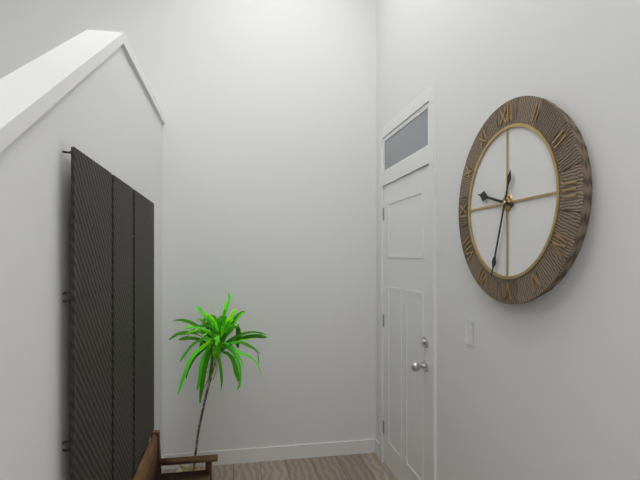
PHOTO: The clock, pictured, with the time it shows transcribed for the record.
9:33
